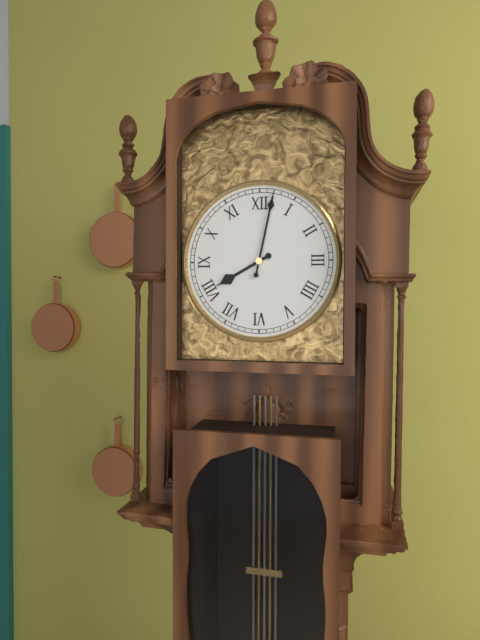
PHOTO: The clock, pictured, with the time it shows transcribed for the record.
8:02
